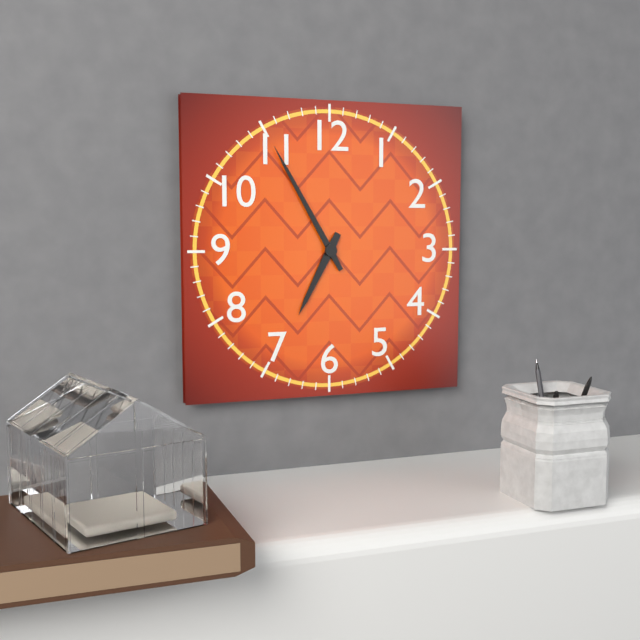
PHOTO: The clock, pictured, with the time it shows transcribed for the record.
6:55
